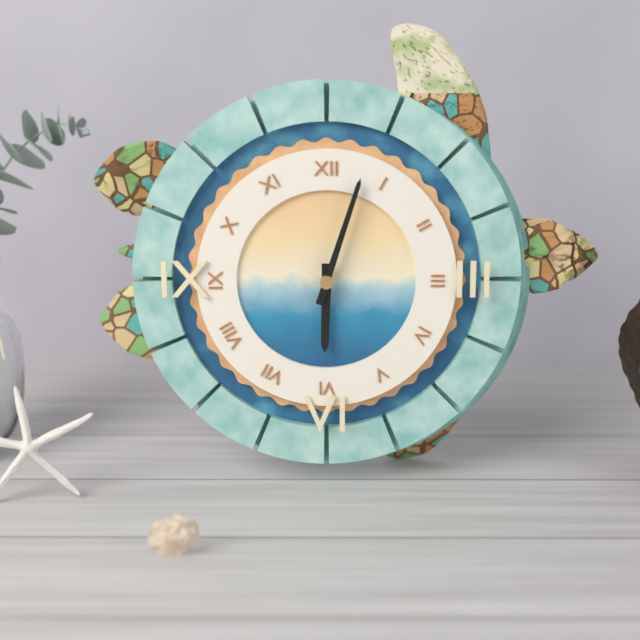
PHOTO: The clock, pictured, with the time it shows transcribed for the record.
6:03
